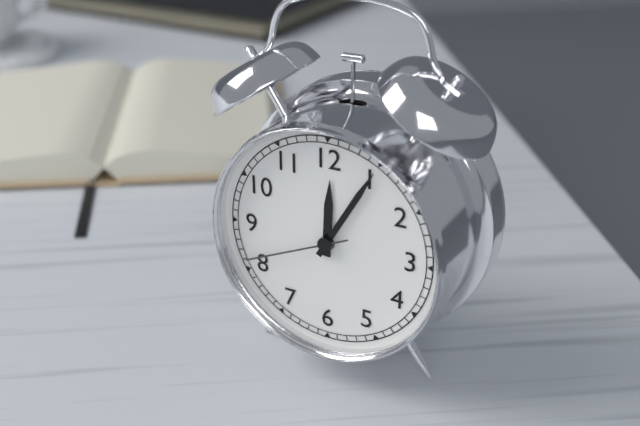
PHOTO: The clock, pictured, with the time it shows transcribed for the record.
12:05:41
